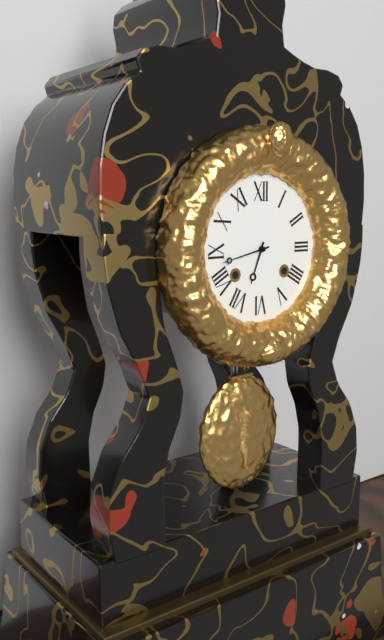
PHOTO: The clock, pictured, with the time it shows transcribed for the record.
6:43
